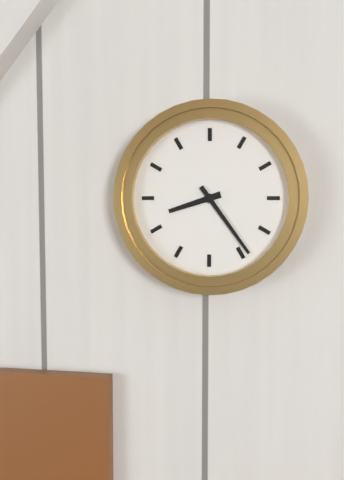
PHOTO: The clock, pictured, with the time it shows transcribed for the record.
8:24
